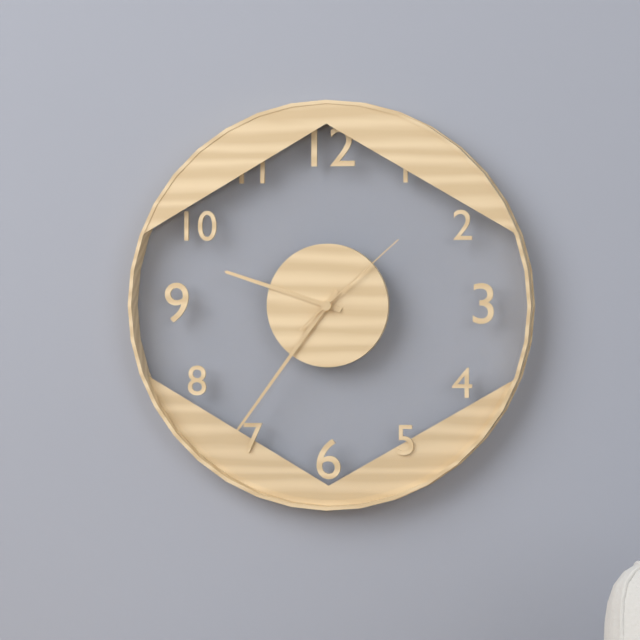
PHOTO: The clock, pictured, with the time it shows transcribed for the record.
9:36:08
